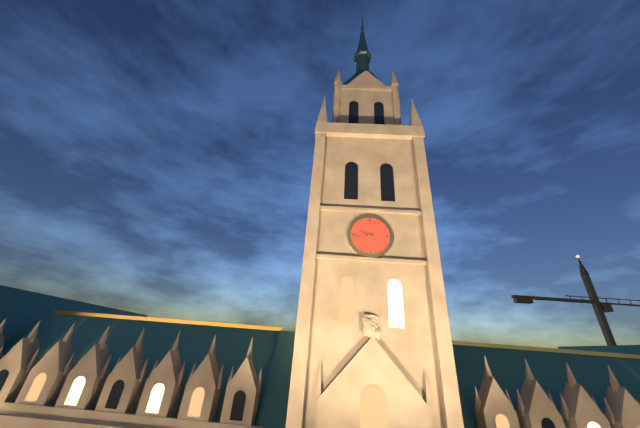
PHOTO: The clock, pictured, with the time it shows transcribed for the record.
9:43
